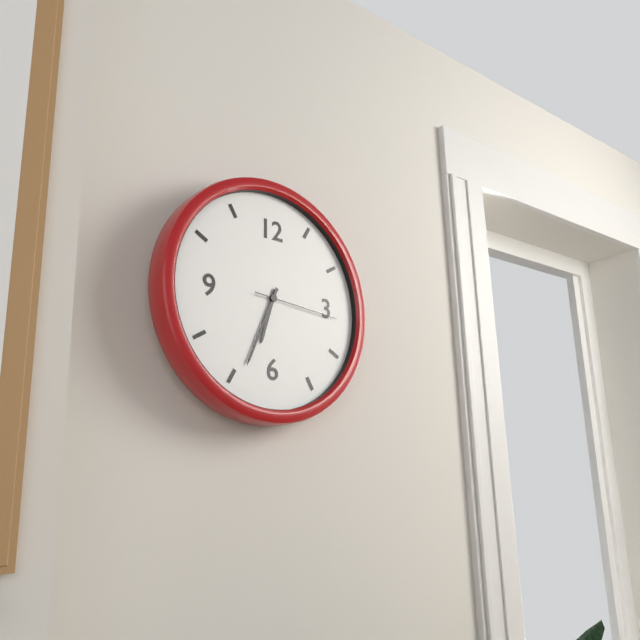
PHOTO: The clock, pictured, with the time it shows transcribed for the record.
6:34:16
